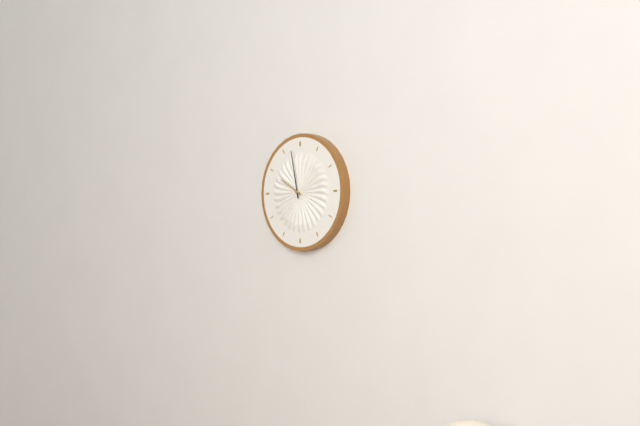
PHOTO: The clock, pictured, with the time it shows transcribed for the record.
9:58
